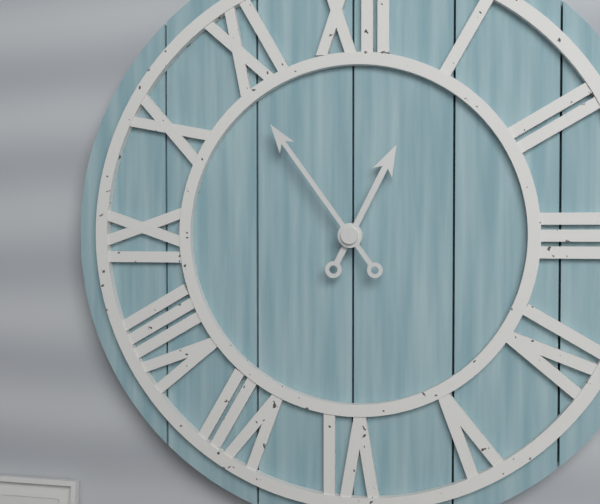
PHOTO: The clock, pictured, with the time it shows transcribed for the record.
12:54
